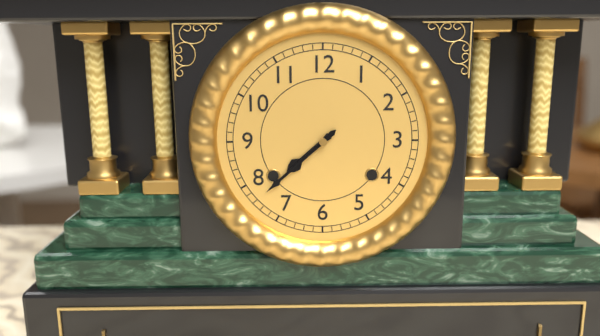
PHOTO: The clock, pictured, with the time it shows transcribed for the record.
7:38
